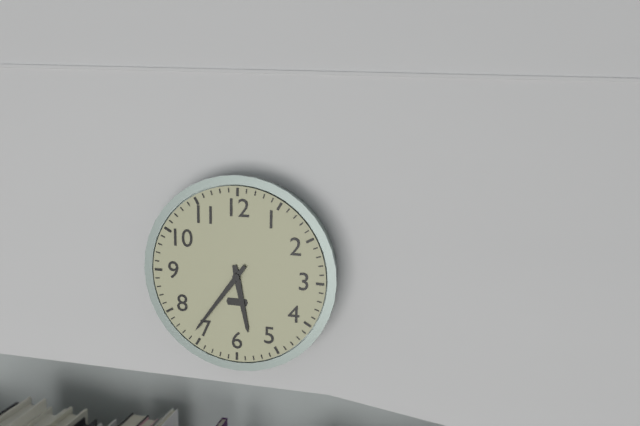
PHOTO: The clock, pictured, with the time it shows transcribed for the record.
5:36
